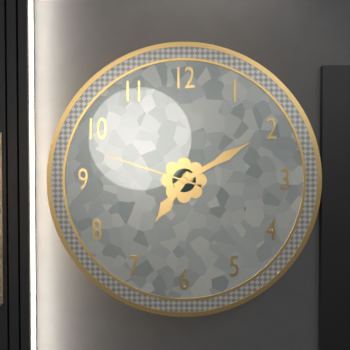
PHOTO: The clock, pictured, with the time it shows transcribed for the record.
7:10:48
